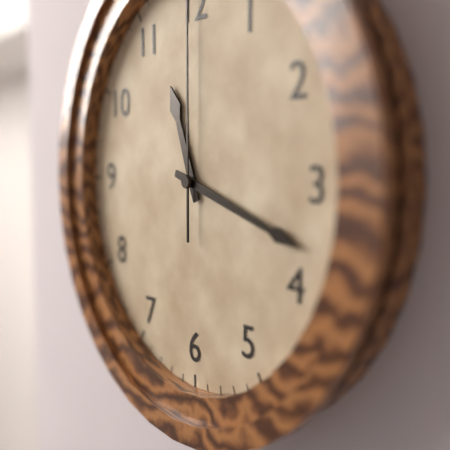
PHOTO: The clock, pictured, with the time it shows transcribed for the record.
11:18
